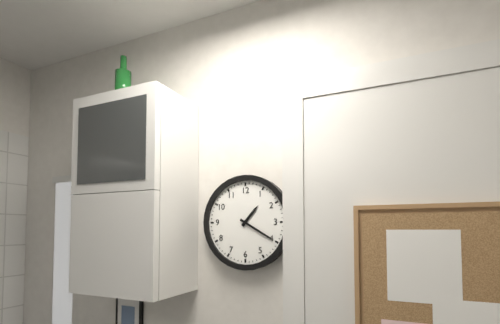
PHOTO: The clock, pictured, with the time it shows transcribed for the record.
1:20
